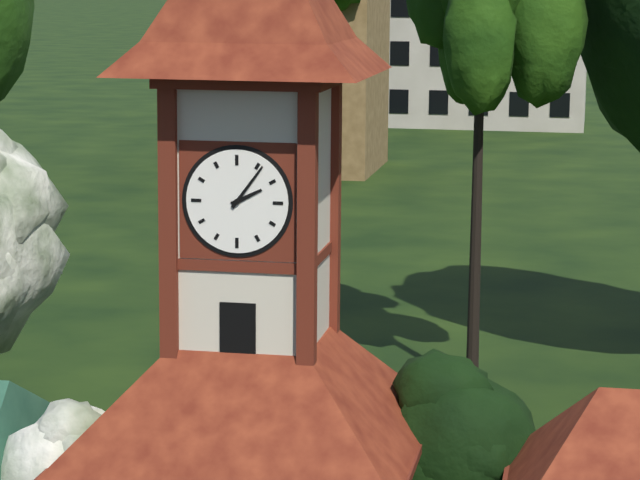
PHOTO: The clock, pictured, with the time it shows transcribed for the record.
2:06
